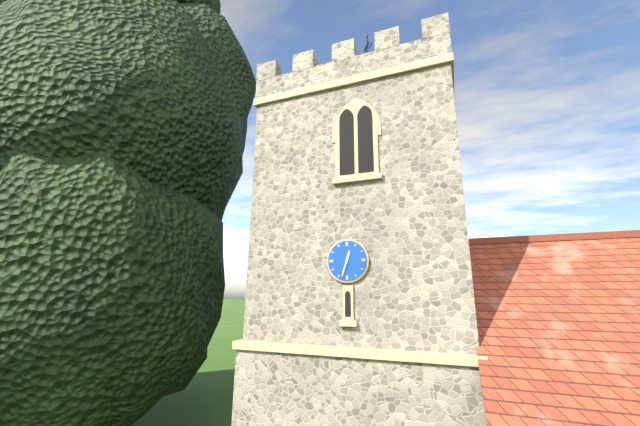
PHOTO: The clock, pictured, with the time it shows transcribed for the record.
12:33
